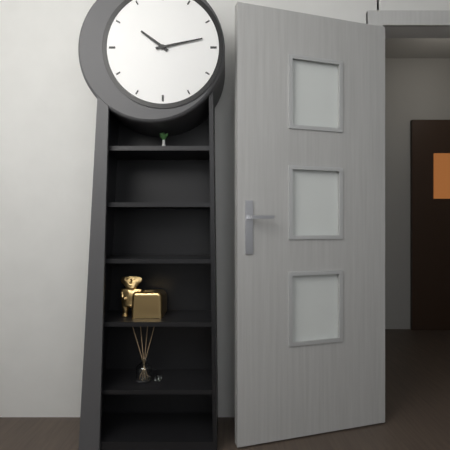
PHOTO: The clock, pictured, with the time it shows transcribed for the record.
10:13
